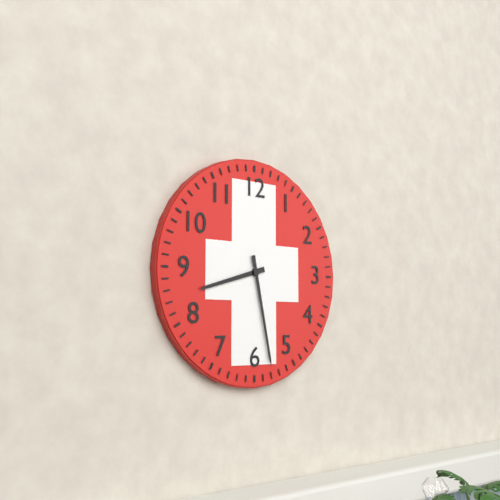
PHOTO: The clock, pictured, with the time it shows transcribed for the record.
8:28
